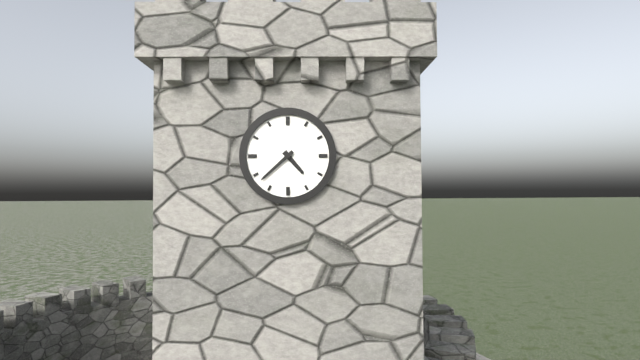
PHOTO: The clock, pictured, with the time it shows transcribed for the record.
4:38
